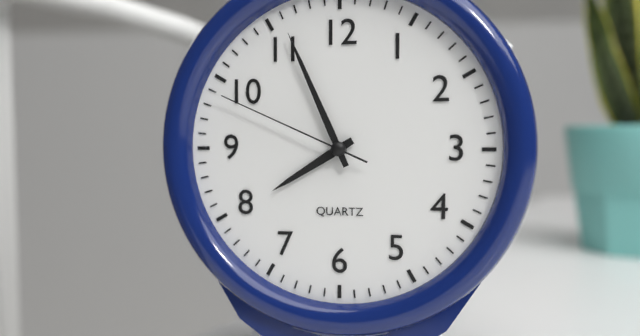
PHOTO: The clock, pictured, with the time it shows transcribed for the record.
7:56:49
